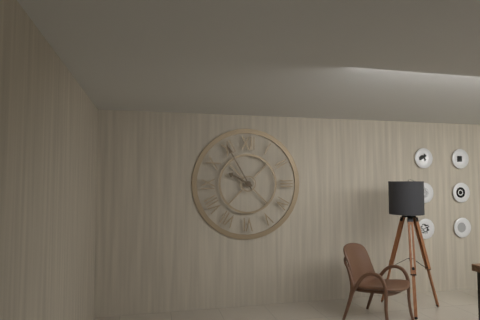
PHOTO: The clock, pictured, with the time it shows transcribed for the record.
9:55
